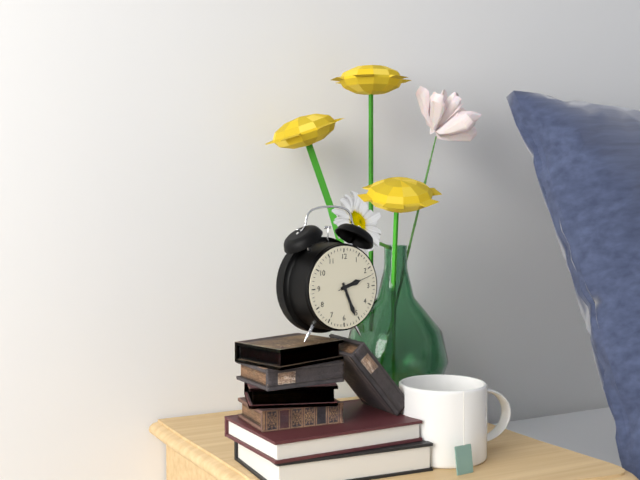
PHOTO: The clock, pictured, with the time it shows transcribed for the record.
2:26
